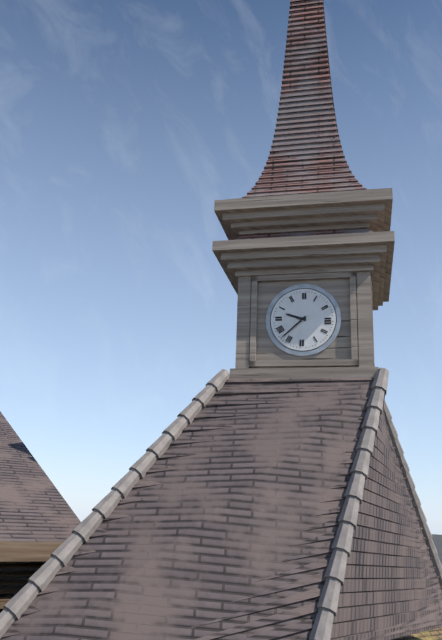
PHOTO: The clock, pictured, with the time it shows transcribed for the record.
9:38
